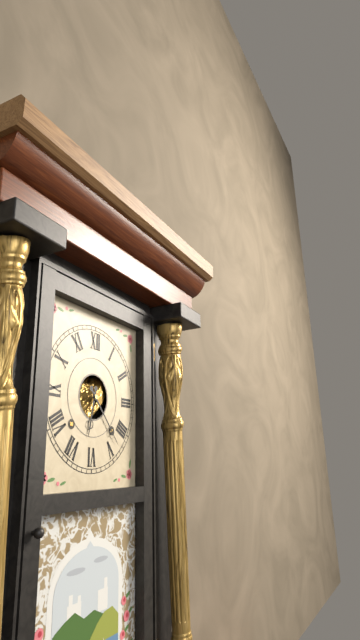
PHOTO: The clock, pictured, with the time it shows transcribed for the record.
6:23
